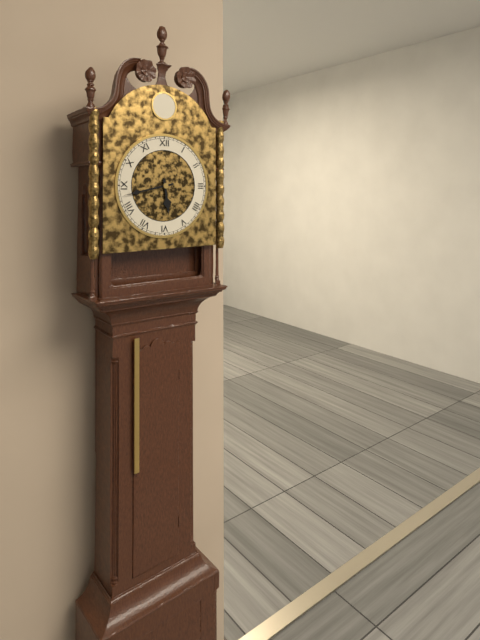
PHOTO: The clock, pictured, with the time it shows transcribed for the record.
5:43
